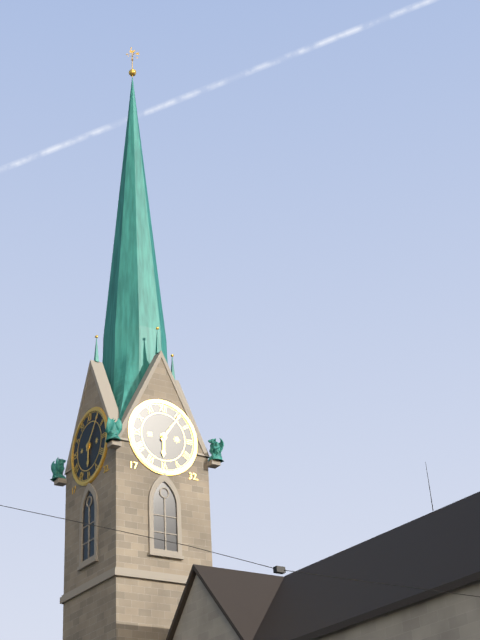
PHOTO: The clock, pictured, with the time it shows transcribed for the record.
6:06
